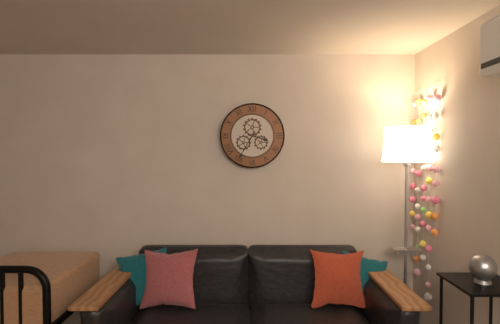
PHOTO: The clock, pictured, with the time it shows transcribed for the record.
3:35
